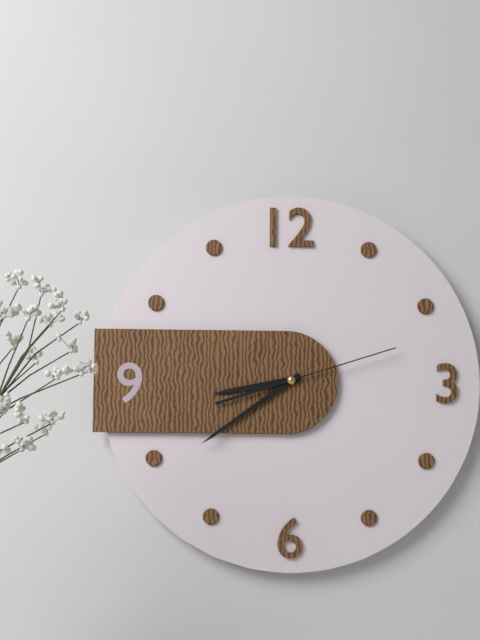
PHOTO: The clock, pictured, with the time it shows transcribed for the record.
8:39:12
